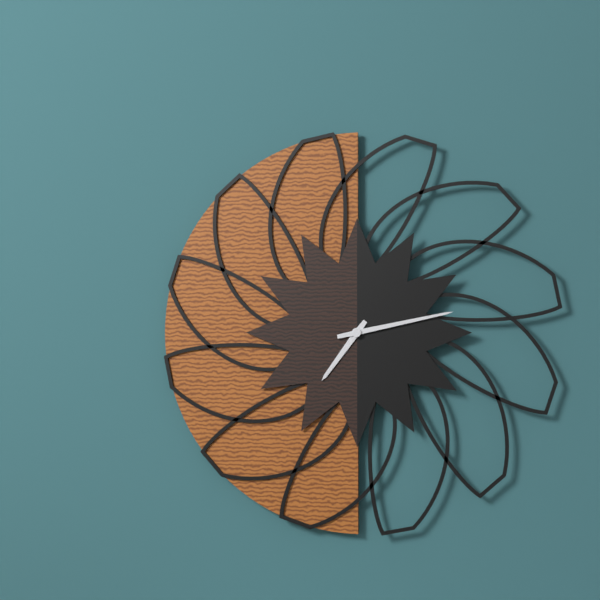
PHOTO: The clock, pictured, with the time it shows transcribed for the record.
7:13
